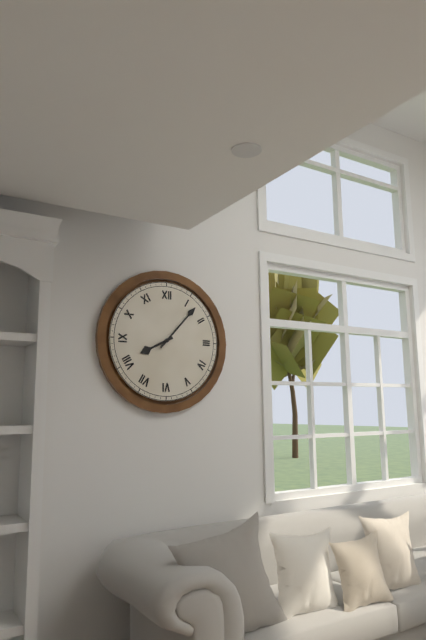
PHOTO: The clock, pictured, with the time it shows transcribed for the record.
8:07
